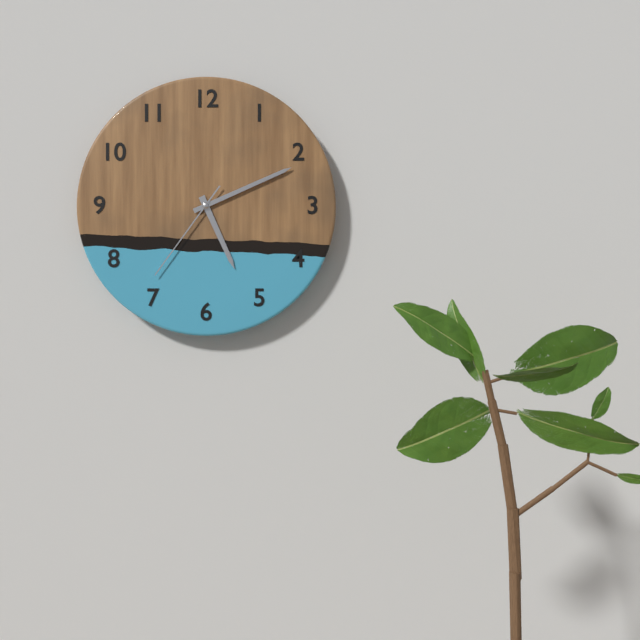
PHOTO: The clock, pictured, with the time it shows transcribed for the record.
5:11:36
